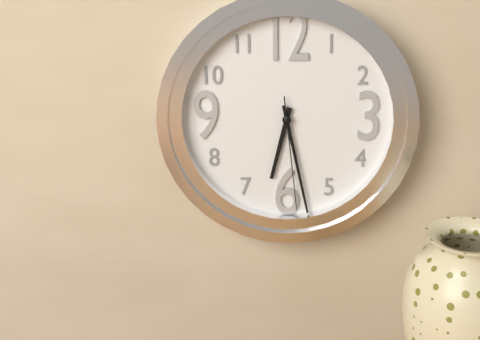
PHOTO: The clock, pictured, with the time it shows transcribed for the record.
6:28:29
